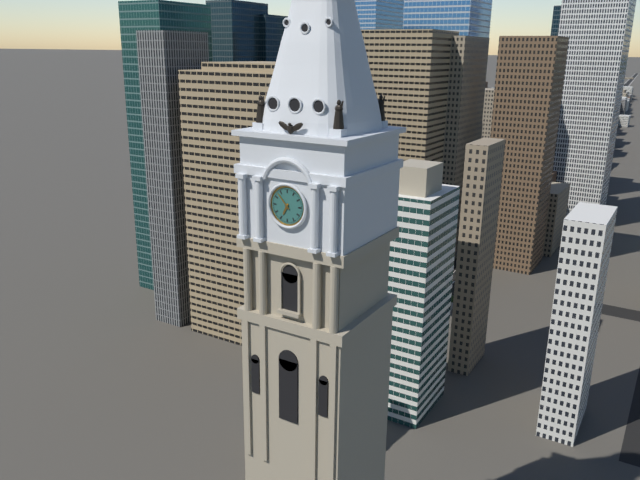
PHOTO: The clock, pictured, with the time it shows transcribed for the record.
6:53
